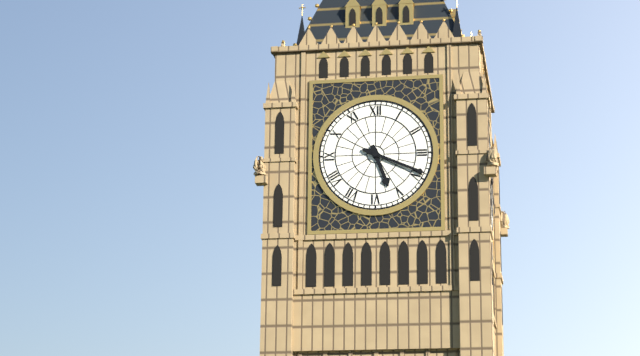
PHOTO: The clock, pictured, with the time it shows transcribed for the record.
5:19
